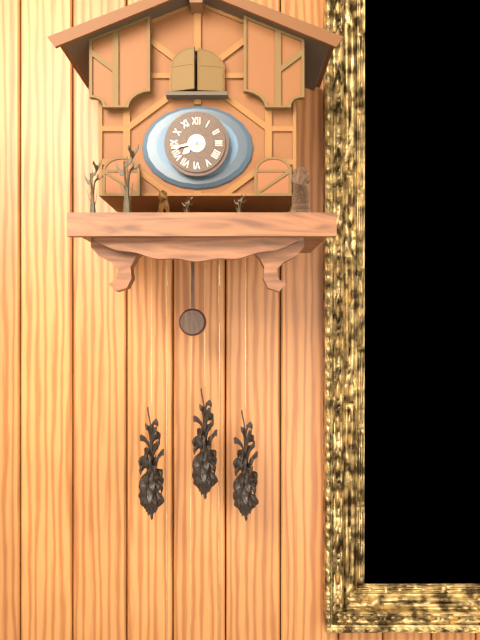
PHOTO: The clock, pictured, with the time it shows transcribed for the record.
7:43
